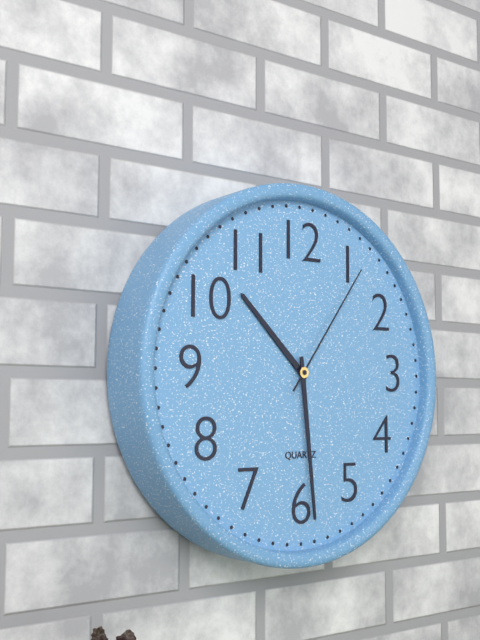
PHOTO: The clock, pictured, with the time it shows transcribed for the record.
10:29:06
